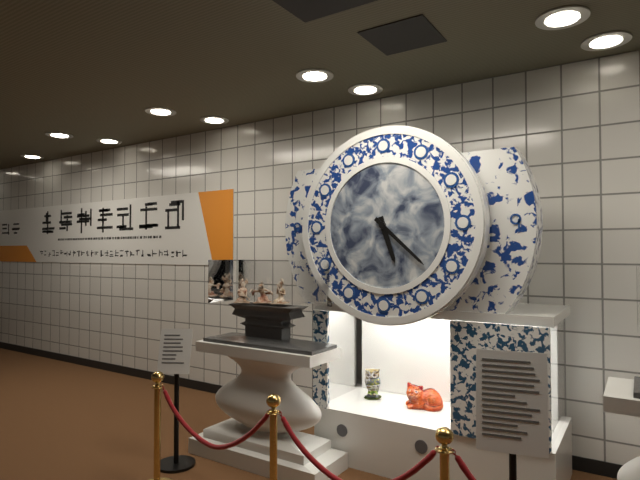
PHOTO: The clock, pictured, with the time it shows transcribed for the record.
5:22
